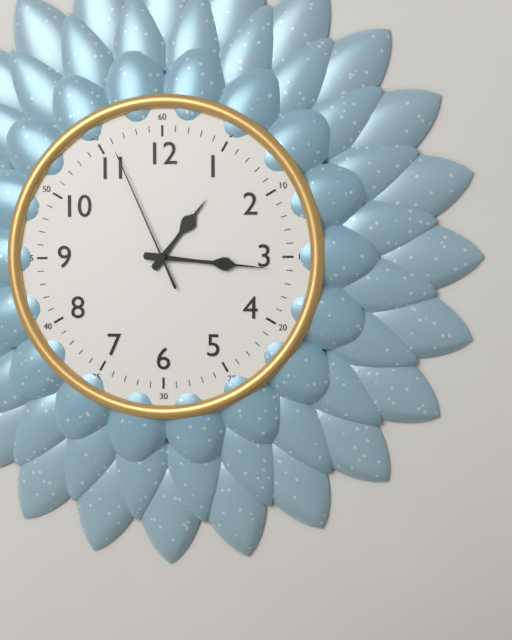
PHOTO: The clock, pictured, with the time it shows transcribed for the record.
1:16:56
